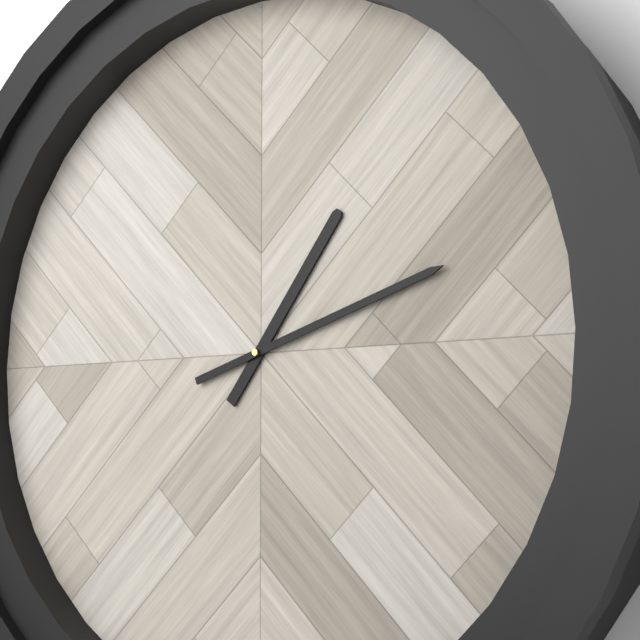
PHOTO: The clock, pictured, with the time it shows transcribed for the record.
1:12
